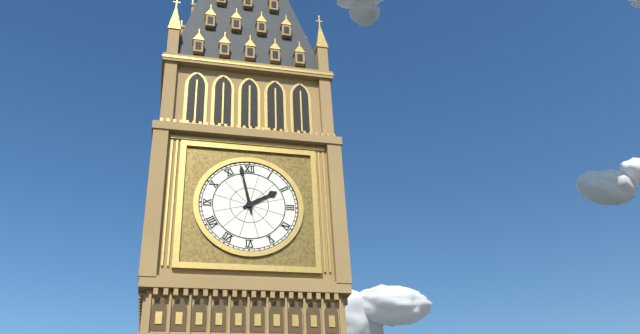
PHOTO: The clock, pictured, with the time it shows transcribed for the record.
1:58
